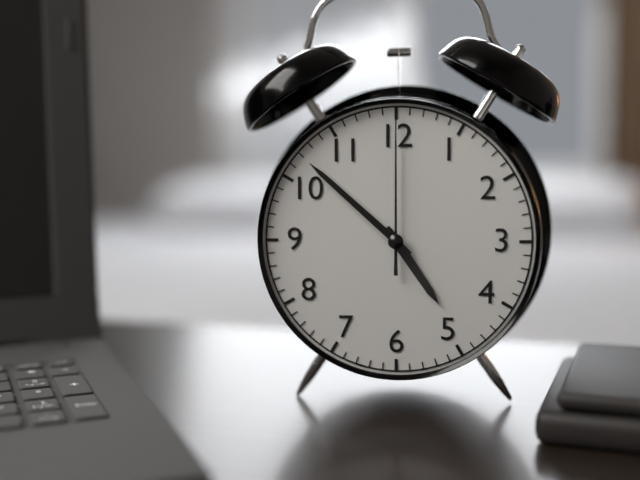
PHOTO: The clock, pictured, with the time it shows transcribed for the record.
4:52:00
